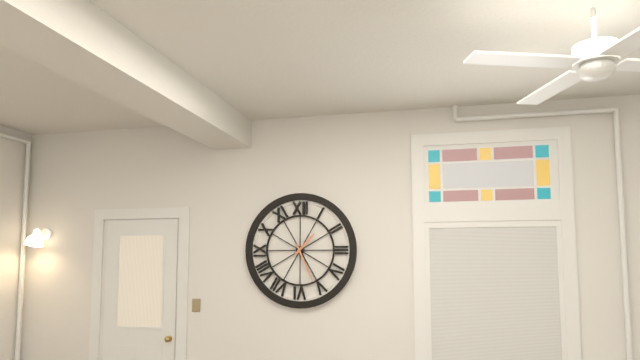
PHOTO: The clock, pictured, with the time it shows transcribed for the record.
1:26
